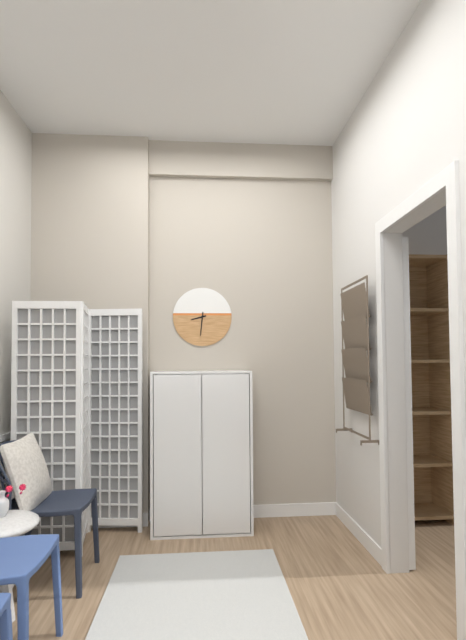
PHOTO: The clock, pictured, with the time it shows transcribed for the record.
8:31
